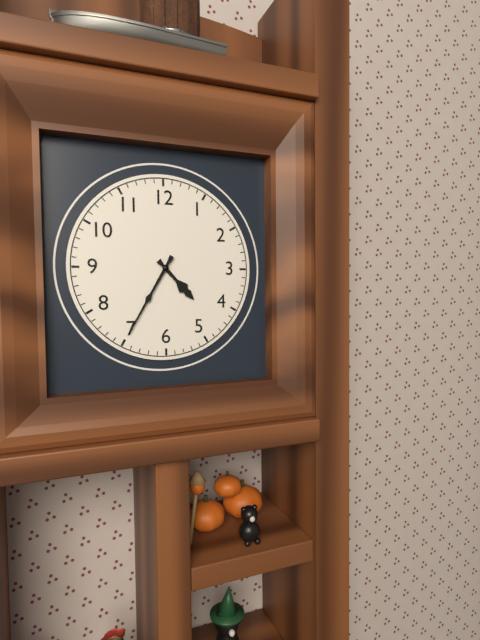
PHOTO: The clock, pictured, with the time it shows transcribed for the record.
4:35
